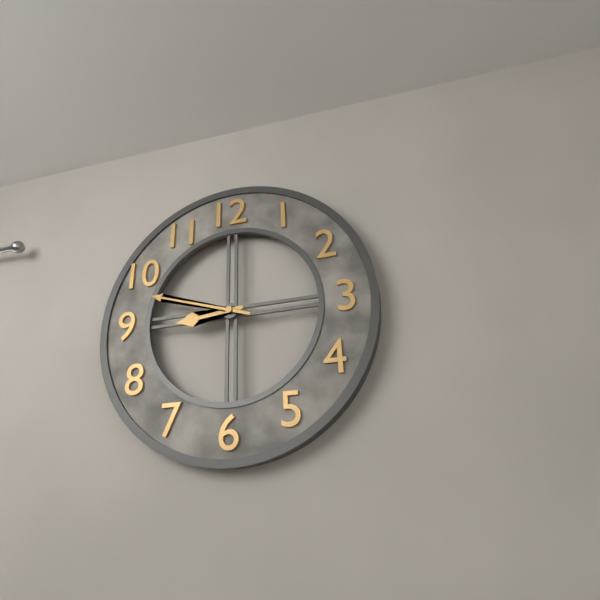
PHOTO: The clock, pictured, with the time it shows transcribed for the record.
8:48
